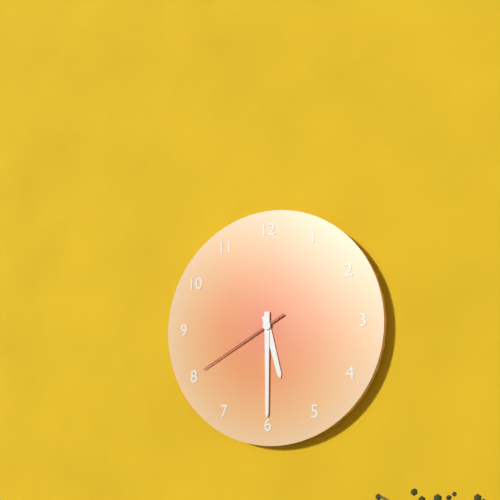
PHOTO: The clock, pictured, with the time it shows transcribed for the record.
5:30:40
